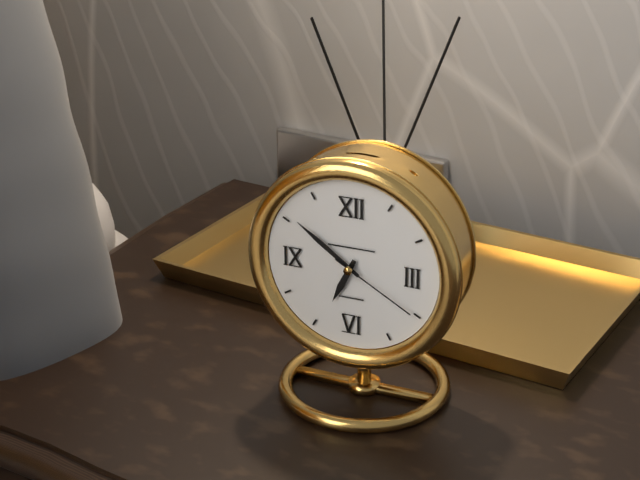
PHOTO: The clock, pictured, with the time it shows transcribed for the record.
6:51:20
